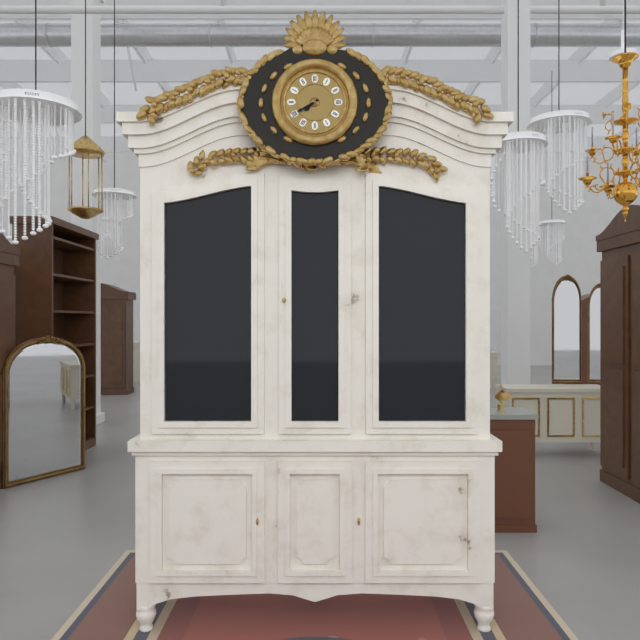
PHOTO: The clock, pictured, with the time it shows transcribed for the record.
7:40
